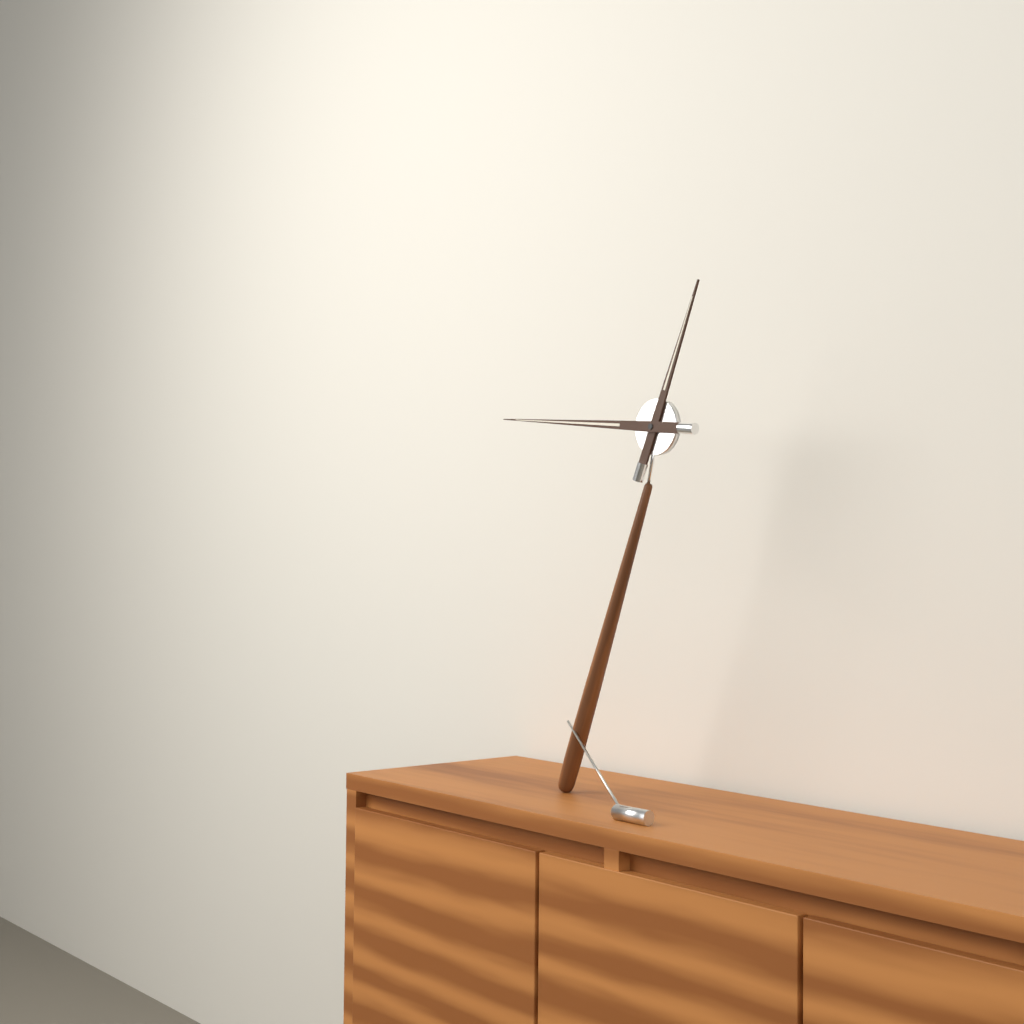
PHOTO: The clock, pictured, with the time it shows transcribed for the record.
12:46
